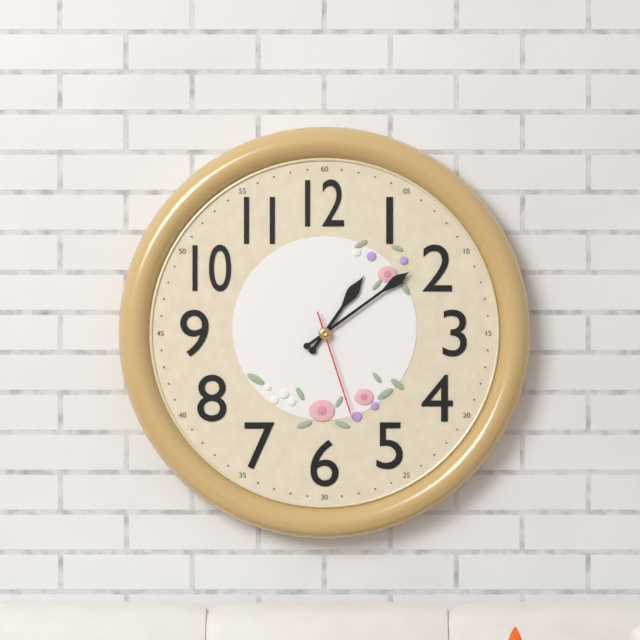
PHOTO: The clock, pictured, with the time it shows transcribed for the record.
1:09:27
